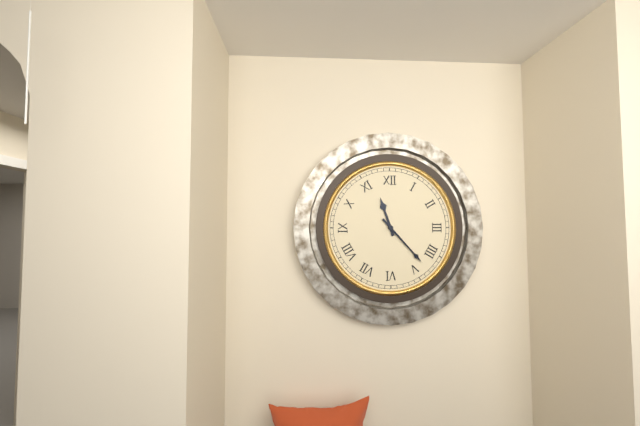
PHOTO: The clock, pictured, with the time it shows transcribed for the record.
11:23
